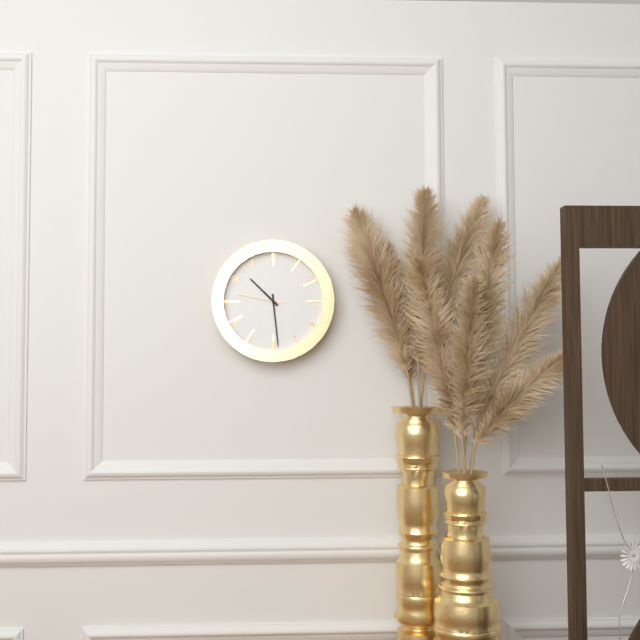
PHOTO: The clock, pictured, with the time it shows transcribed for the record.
10:29:47
